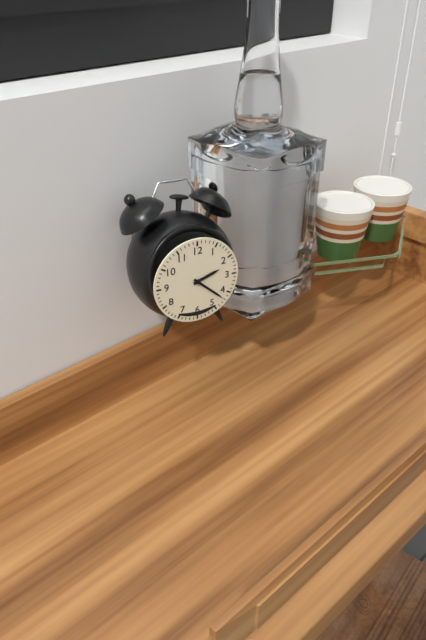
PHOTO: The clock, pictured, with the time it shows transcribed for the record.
2:22
